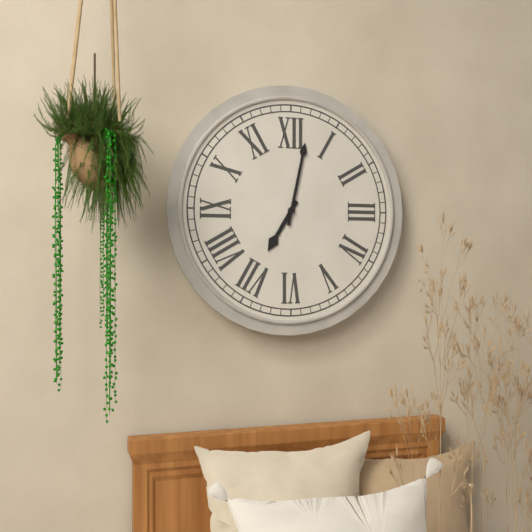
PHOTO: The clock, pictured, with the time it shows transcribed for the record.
7:02
